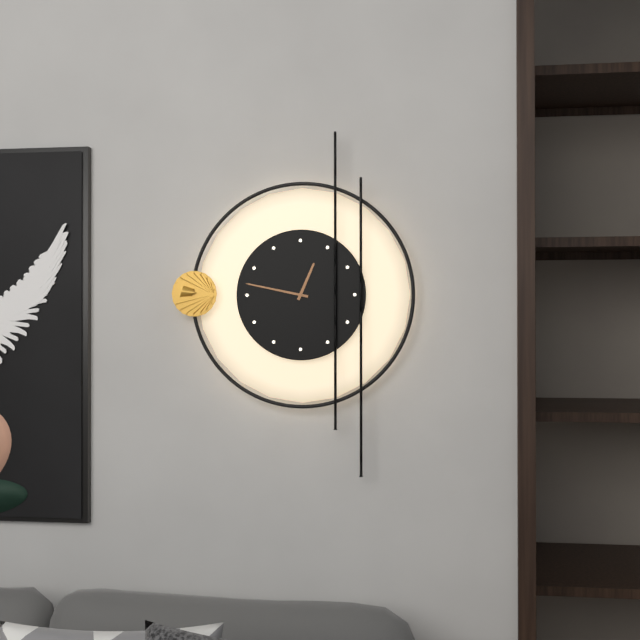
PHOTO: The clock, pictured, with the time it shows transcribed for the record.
12:47
